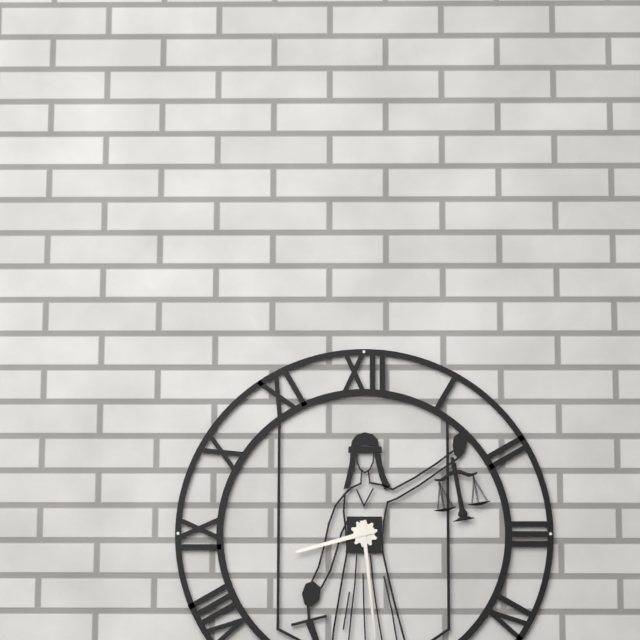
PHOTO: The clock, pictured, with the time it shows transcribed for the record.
8:29
